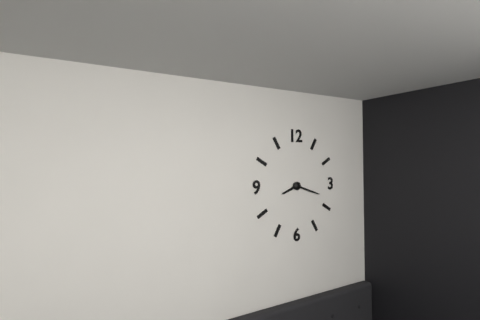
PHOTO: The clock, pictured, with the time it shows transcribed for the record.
8:18
